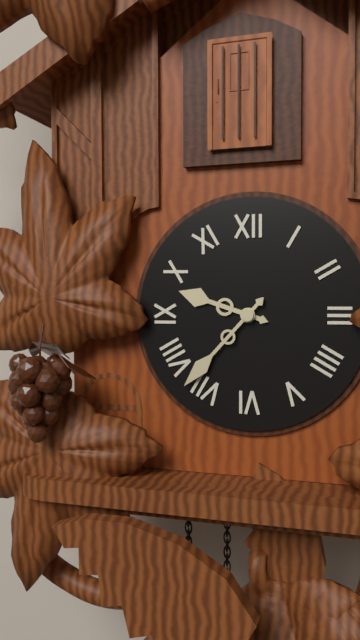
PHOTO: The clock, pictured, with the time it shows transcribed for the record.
9:37
